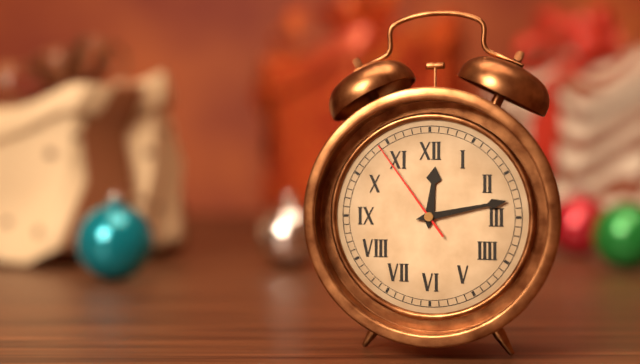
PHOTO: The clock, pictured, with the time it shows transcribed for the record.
12:13:54
